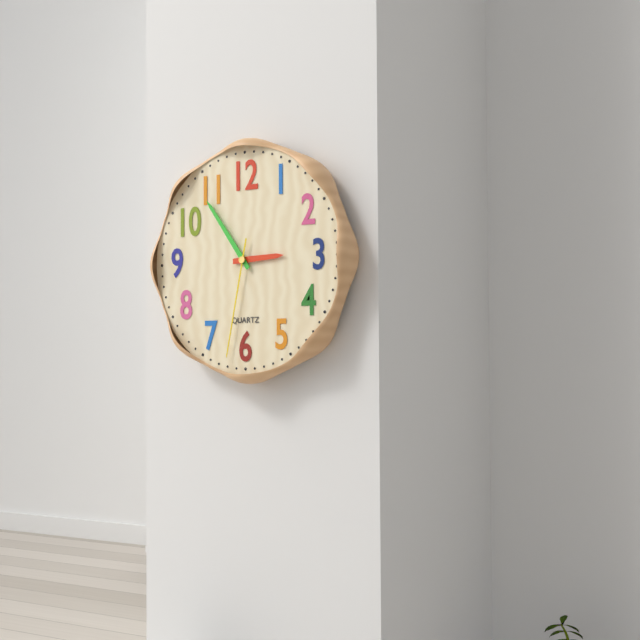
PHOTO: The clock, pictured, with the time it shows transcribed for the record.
2:54:32
